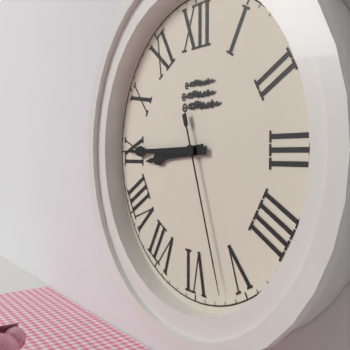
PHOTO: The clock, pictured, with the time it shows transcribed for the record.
8:45:27
